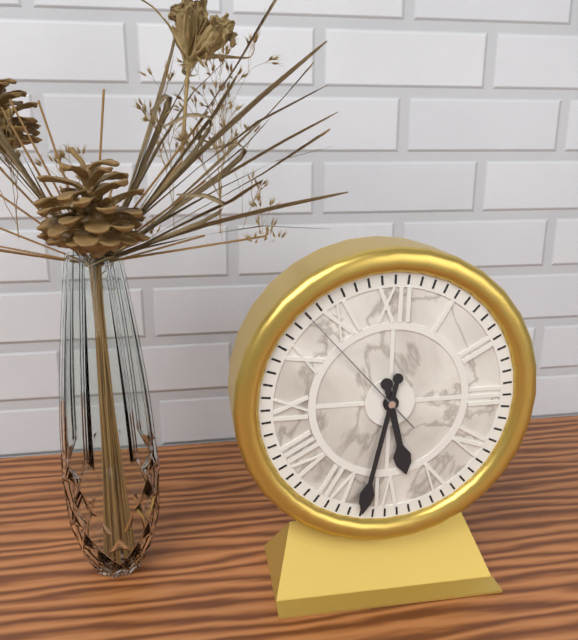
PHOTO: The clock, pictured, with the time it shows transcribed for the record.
5:32:53
